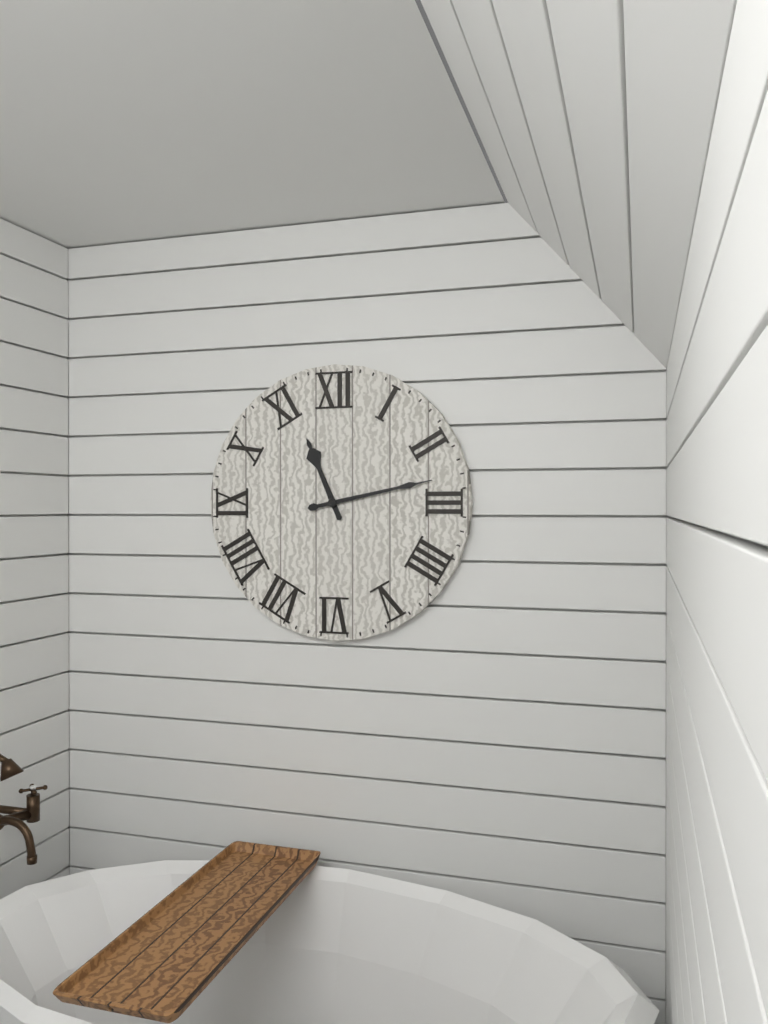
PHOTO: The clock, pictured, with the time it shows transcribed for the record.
11:13
